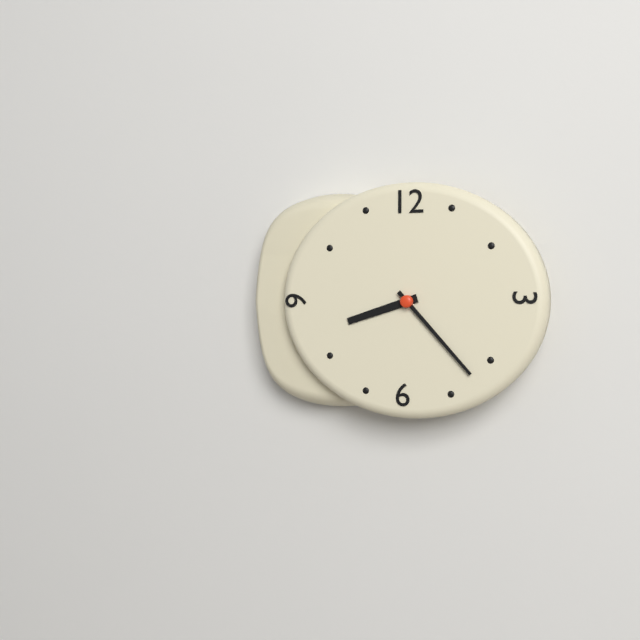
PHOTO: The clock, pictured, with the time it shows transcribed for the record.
8:23
